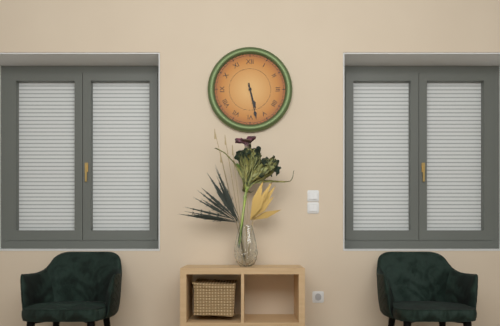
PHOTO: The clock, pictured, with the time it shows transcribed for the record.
5:28
